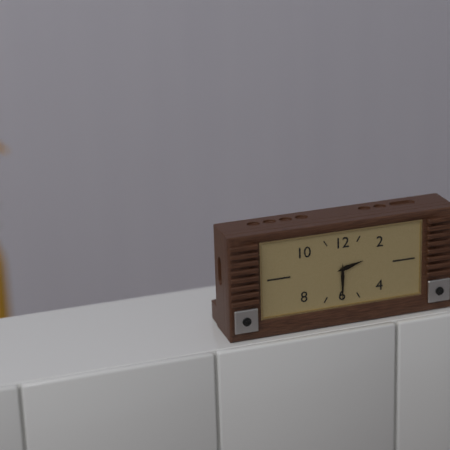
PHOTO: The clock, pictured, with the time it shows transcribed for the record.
2:30
